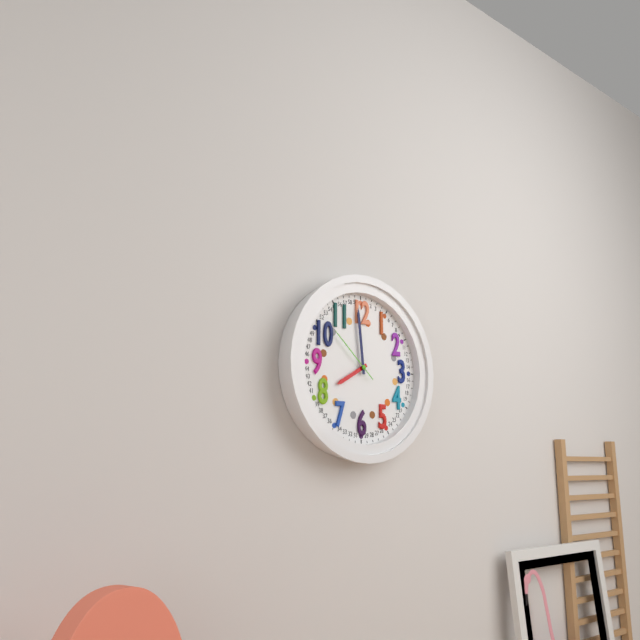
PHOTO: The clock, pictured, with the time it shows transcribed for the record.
7:59:52
